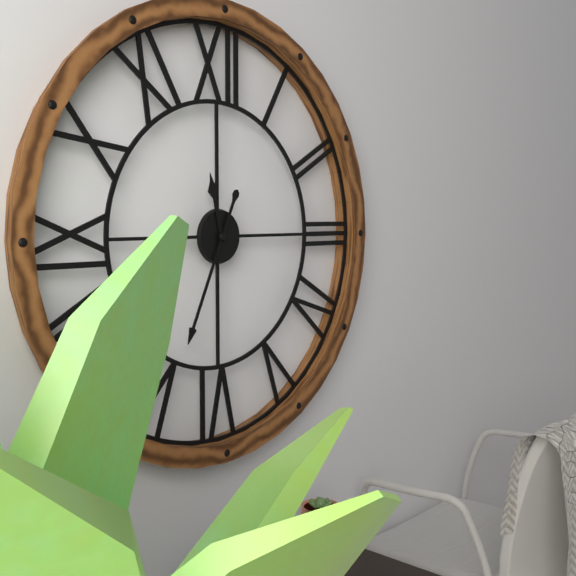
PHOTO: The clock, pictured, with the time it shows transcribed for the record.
11:34
